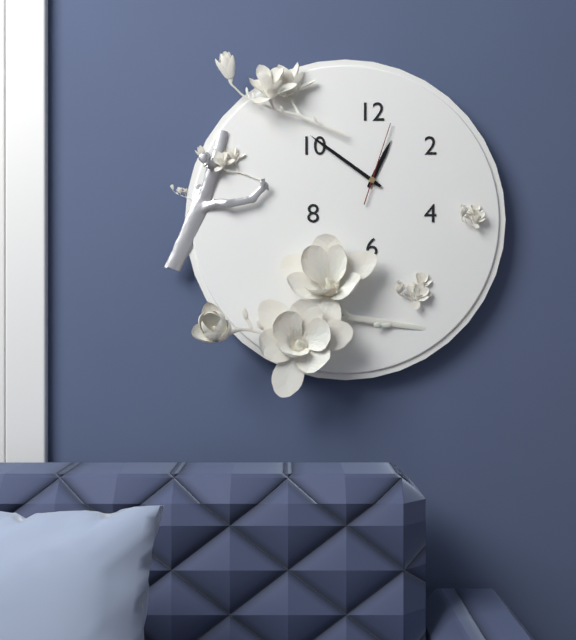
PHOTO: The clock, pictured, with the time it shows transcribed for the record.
12:51:03
